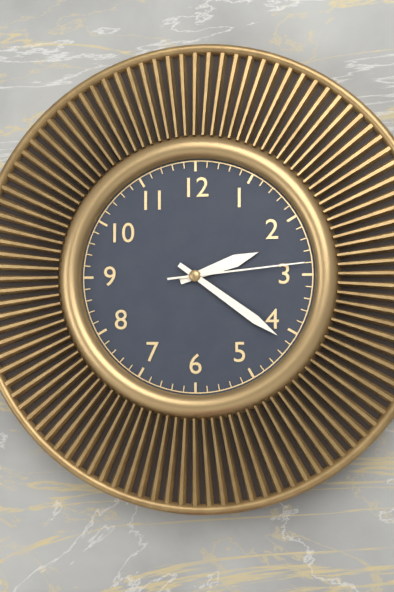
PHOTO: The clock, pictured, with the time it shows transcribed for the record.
2:21:14
